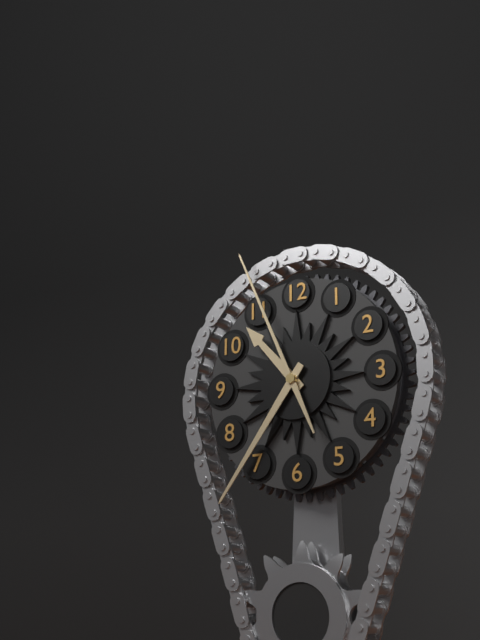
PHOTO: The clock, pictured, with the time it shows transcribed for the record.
10:36:56
